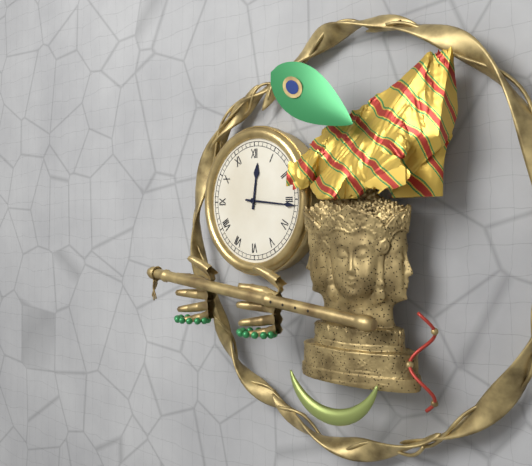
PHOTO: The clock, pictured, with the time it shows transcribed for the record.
12:16
